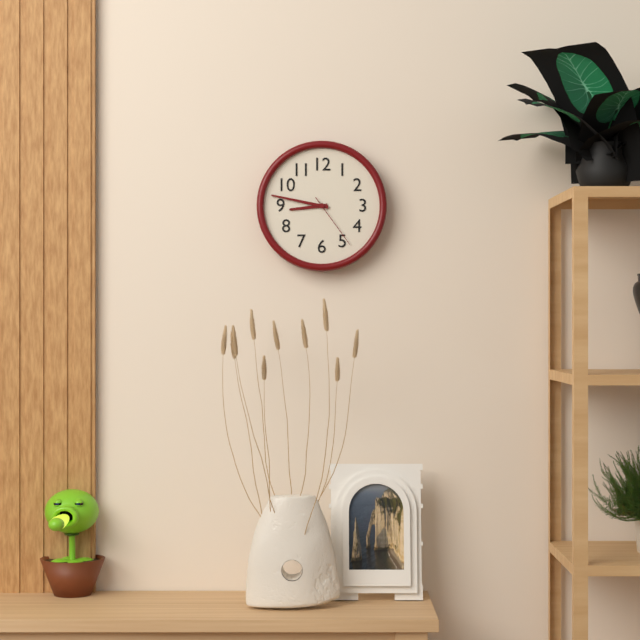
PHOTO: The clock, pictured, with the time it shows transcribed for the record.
8:47:24
